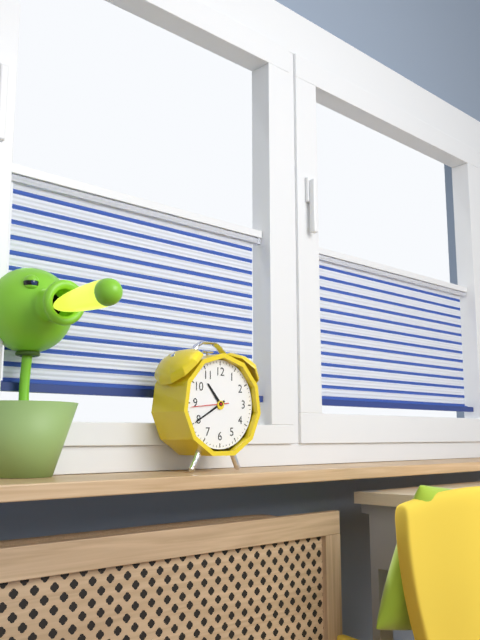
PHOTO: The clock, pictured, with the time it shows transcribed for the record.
10:40
